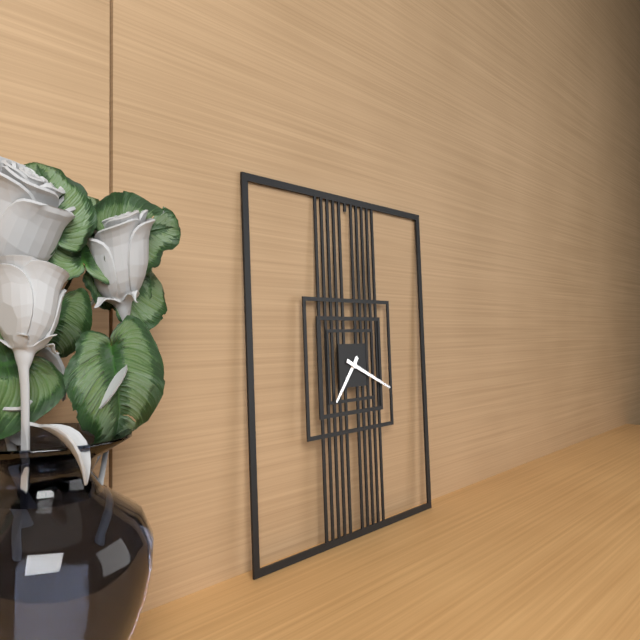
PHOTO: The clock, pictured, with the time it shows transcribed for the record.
7:19
